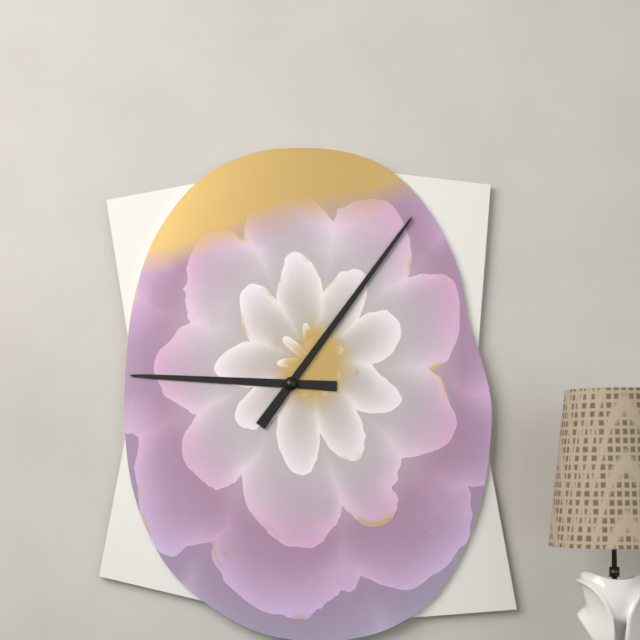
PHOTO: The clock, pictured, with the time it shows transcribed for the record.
9:06
